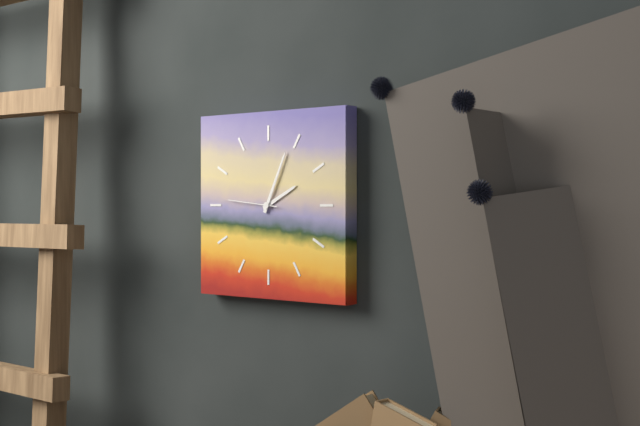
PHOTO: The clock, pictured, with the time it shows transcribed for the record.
2:04:46
